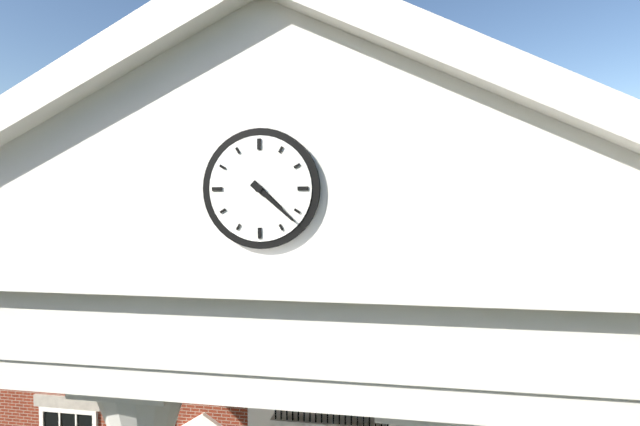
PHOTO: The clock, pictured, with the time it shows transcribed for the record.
4:22
